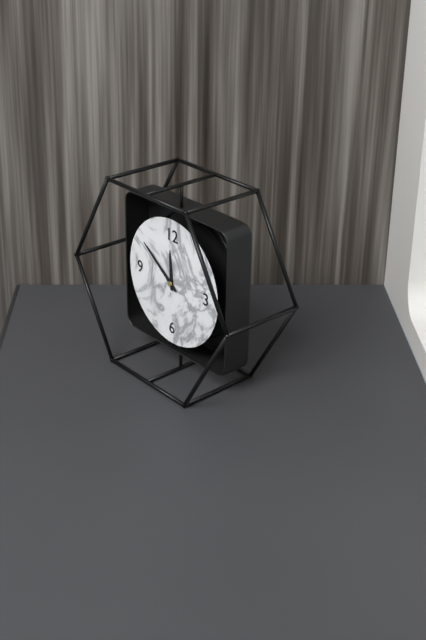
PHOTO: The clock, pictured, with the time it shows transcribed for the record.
11:51
